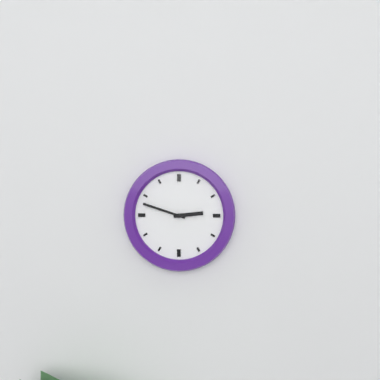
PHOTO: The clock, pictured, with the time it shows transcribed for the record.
2:48
